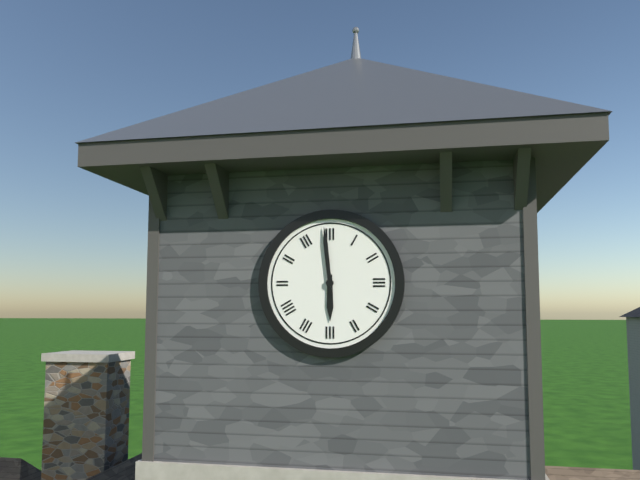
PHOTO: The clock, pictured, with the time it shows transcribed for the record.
5:59
